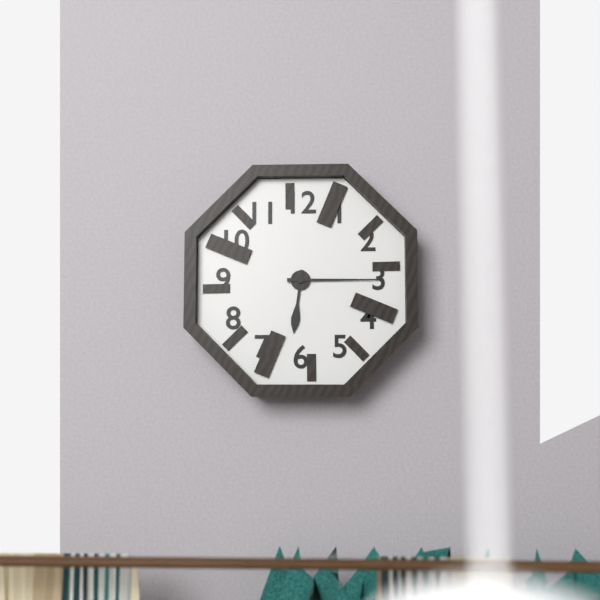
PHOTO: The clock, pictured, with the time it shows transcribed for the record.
6:15
